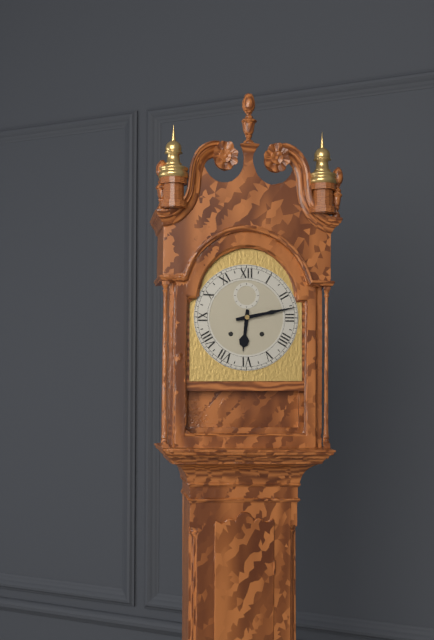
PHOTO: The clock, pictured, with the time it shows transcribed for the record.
6:13
